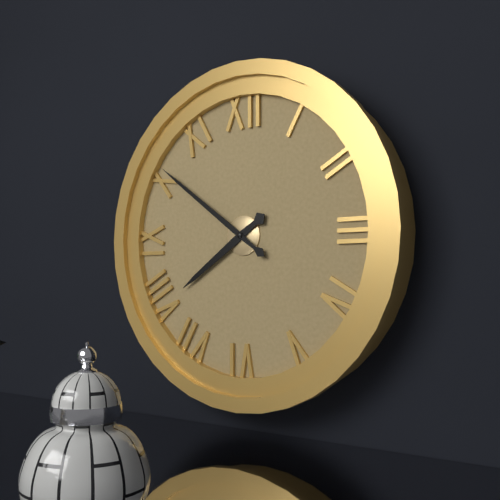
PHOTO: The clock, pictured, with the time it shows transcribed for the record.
7:51
